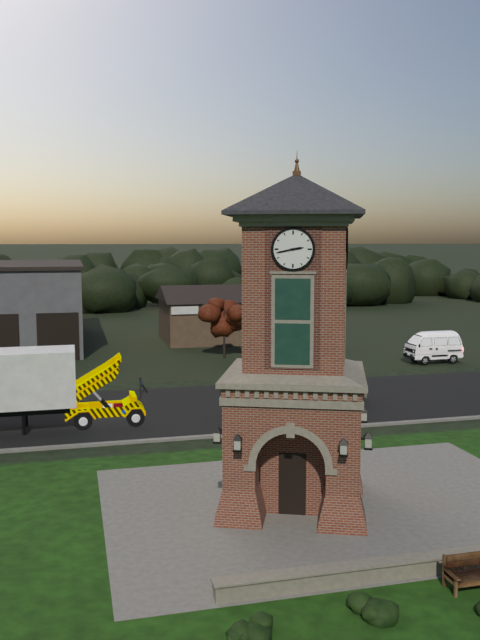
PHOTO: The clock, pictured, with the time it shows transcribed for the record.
2:43
